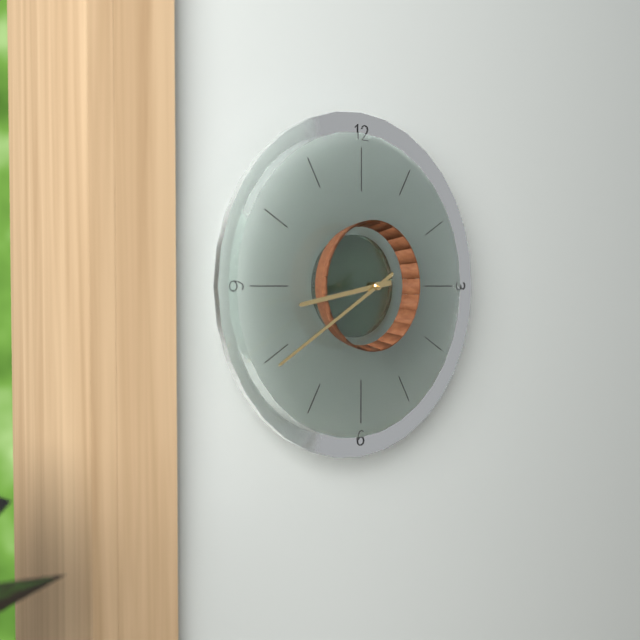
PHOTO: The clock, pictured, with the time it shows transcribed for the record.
8:40
